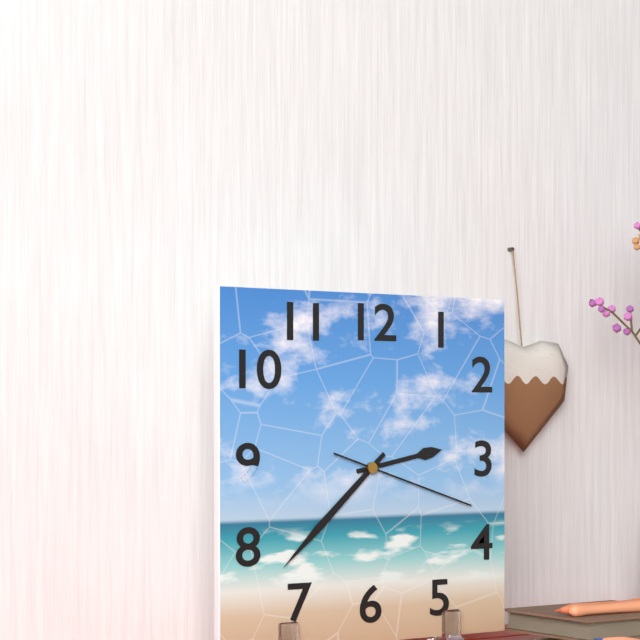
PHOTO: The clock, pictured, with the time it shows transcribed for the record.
2:38:18
